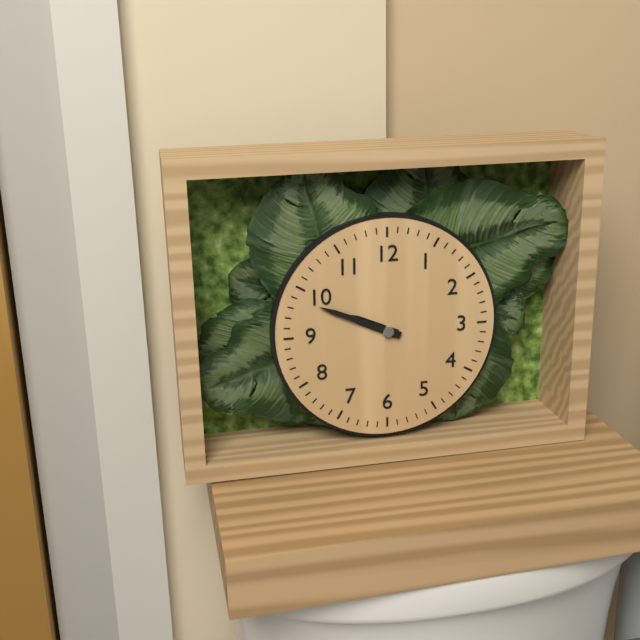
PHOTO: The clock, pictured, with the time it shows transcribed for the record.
9:49
